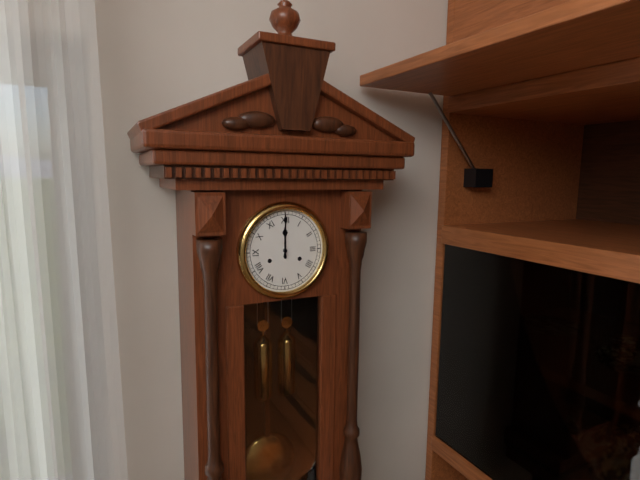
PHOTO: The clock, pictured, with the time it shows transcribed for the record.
12:00
